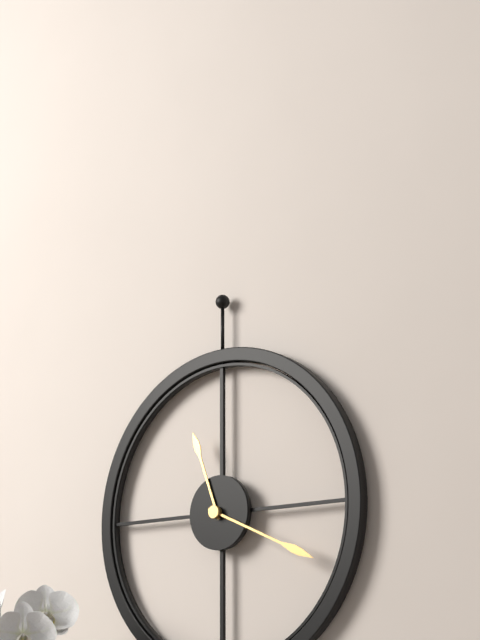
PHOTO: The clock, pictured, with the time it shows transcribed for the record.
11:19
